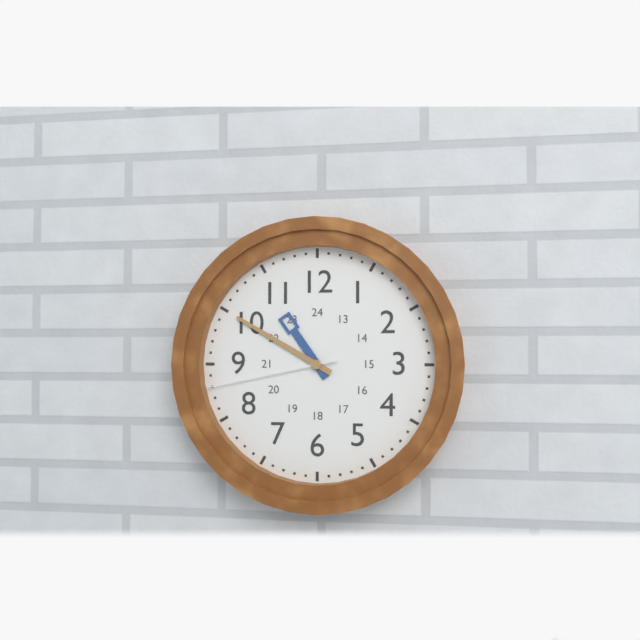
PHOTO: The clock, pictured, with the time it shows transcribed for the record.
10:50:43
